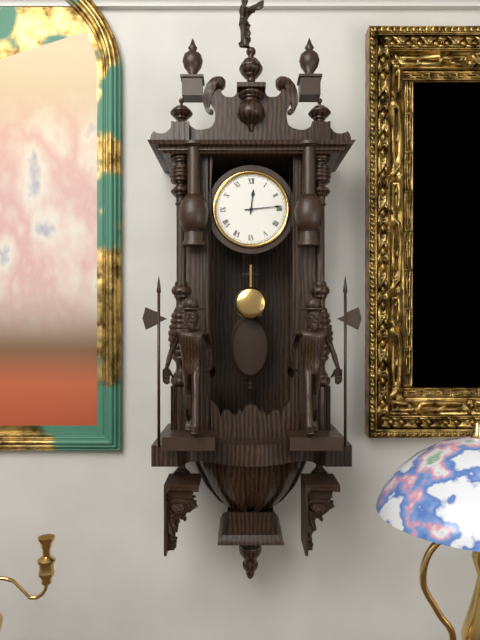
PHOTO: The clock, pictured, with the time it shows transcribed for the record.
12:14
